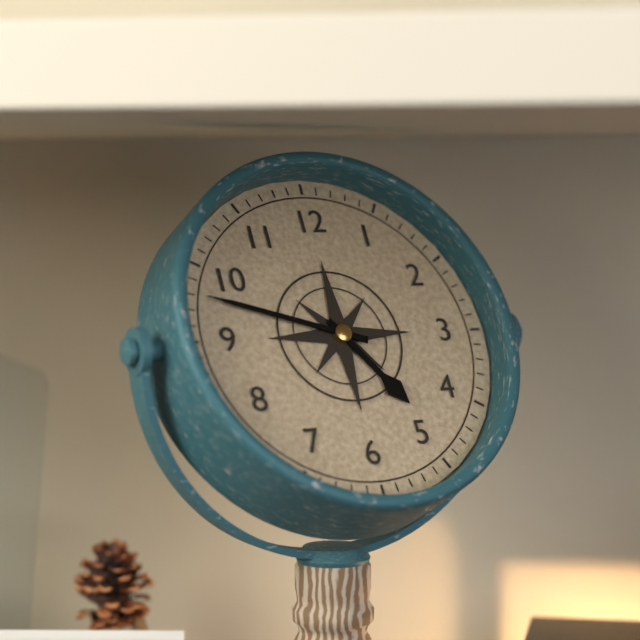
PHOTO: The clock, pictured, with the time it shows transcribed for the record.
4:48
